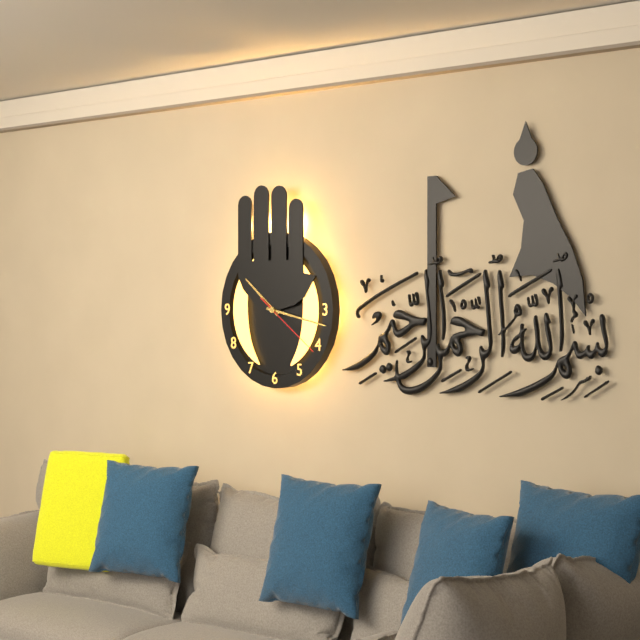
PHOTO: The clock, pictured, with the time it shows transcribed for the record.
10:17:21
